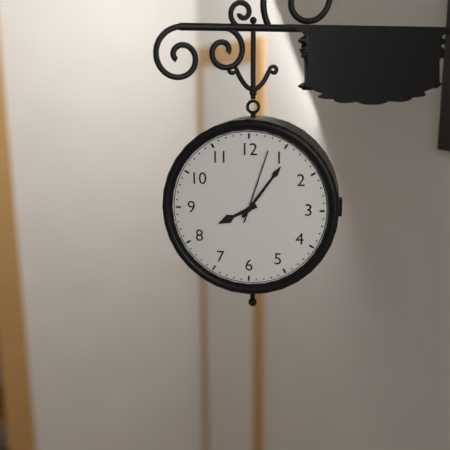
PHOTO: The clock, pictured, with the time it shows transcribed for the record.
8:06:03
